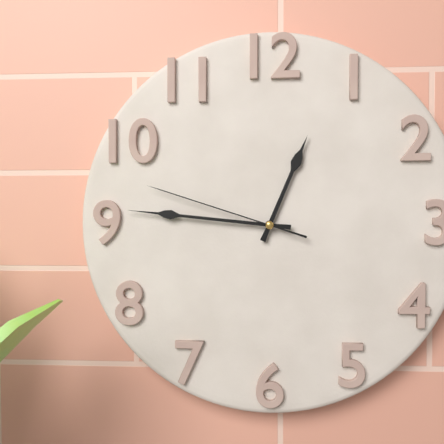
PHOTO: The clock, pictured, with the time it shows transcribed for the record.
12:46:48
